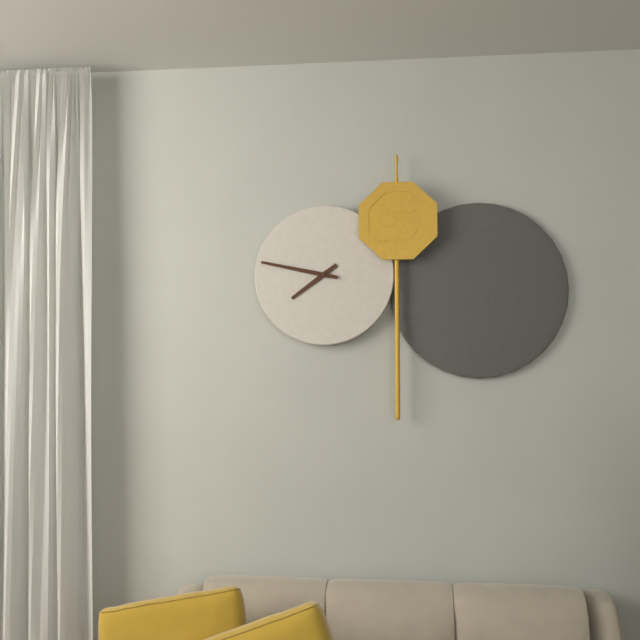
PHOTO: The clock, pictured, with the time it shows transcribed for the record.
7:47
